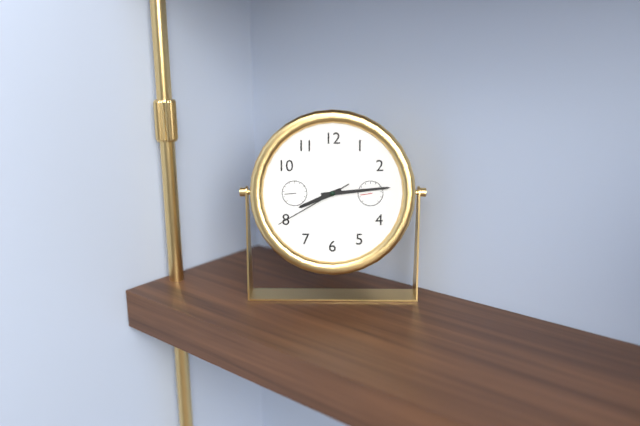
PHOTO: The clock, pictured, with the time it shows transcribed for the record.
8:14:40
